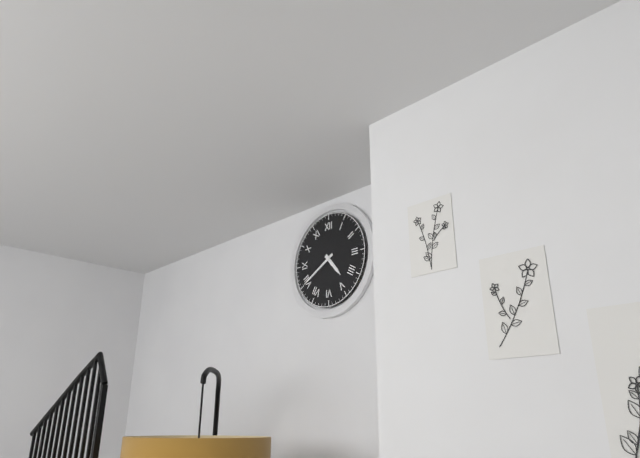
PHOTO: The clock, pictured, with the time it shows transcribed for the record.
4:40
